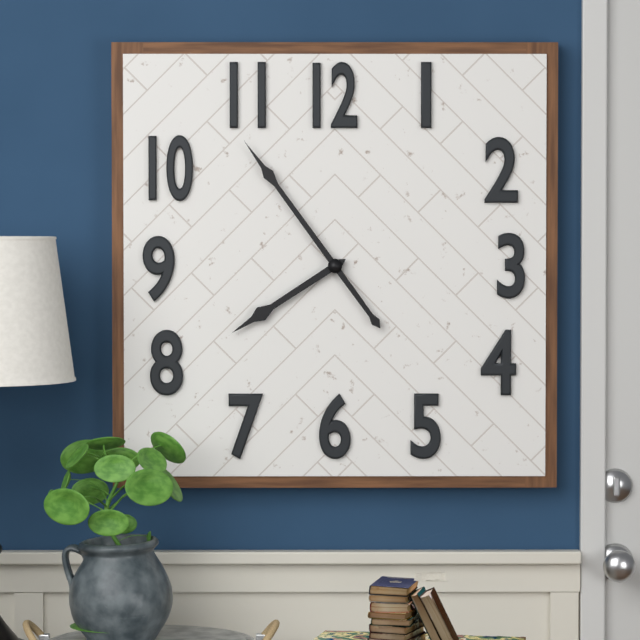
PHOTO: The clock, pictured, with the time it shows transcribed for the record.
7:54
